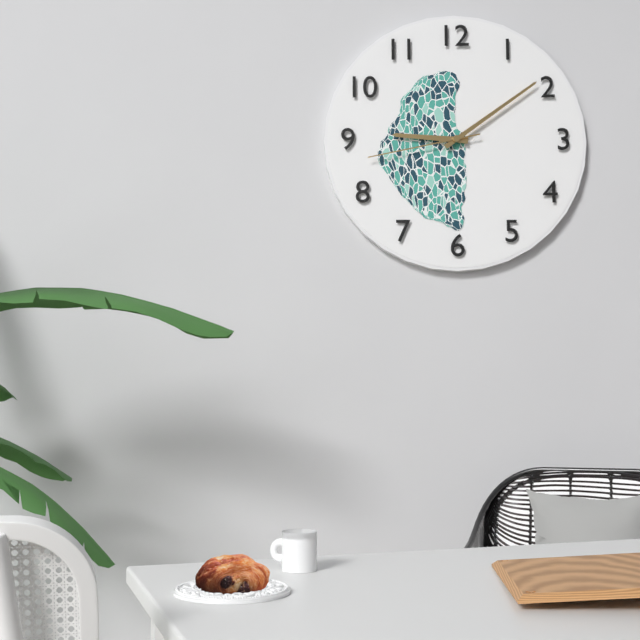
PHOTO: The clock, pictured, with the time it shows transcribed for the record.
9:09:43
